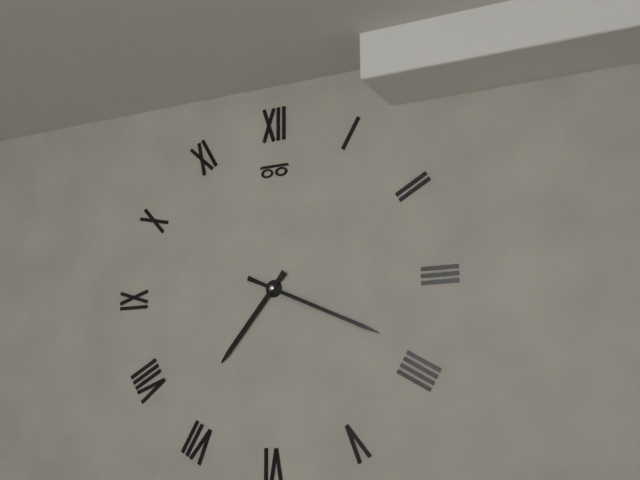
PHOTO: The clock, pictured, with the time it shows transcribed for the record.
7:19
